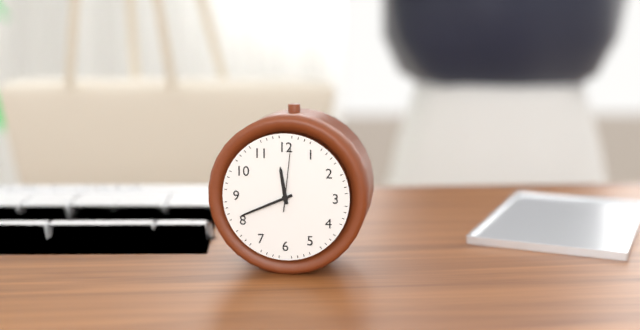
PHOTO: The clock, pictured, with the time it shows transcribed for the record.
11:41:01
